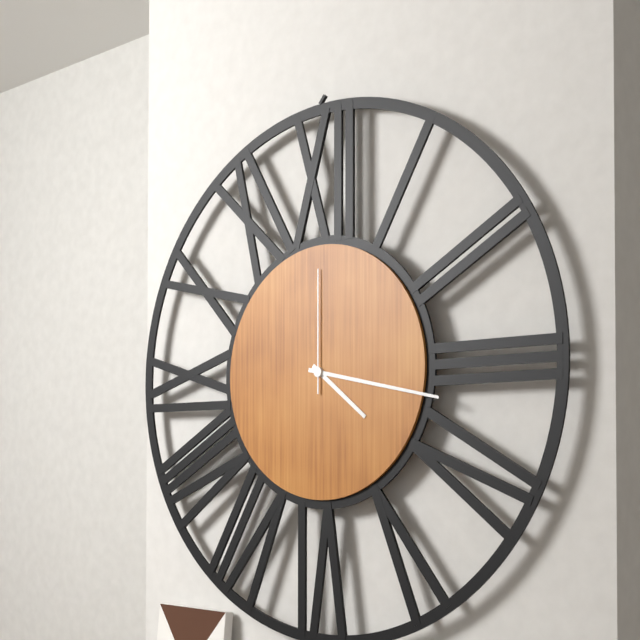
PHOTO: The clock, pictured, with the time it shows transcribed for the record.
4:17:00
